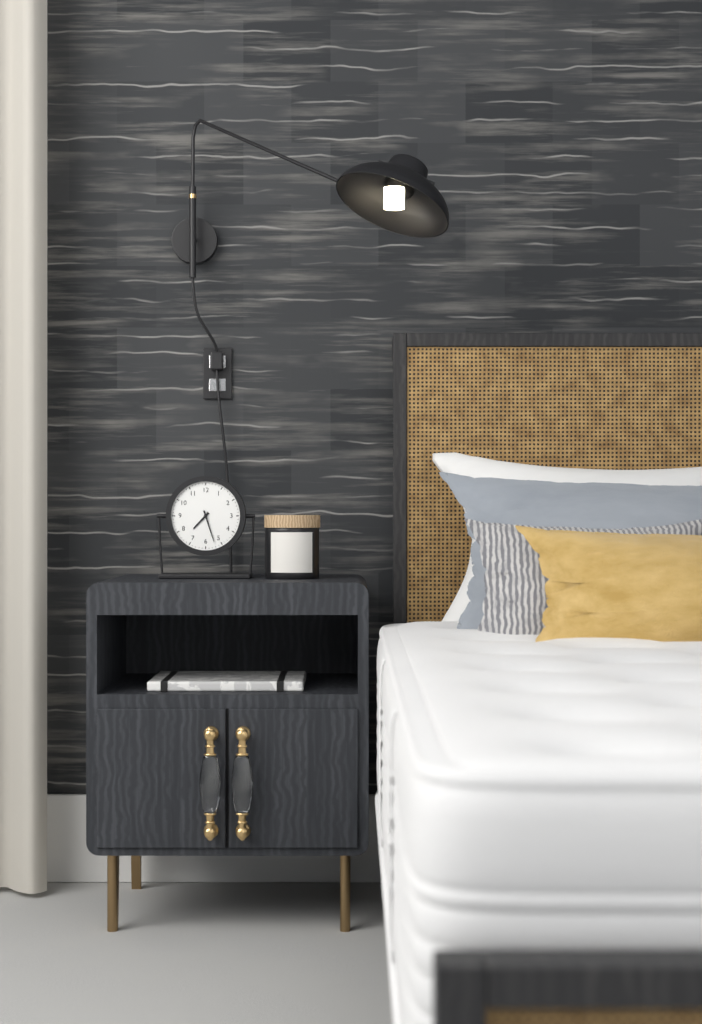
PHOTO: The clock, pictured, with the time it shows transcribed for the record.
7:27
